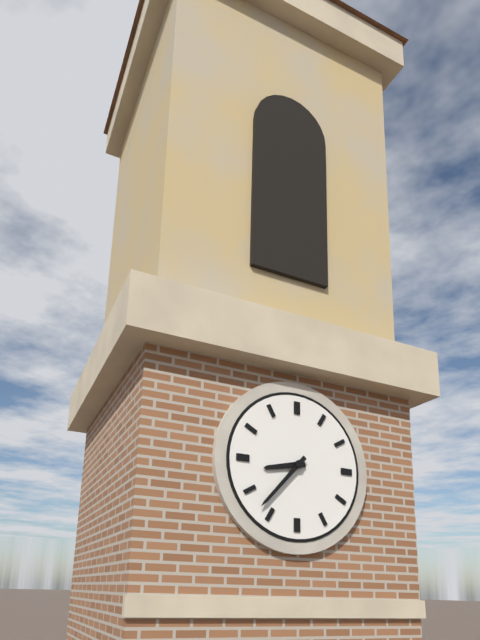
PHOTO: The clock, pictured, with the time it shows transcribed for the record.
8:37
